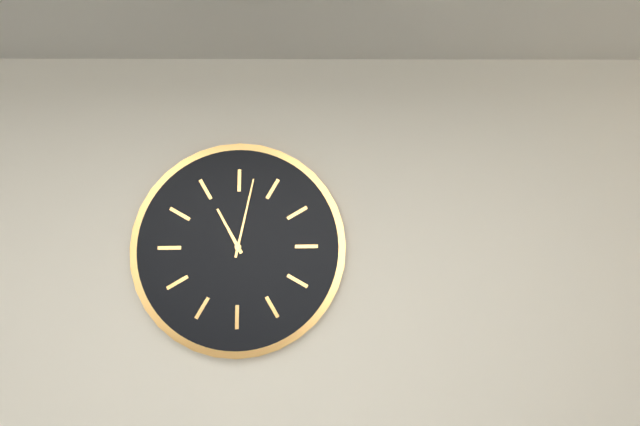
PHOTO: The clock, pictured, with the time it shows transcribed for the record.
11:02
